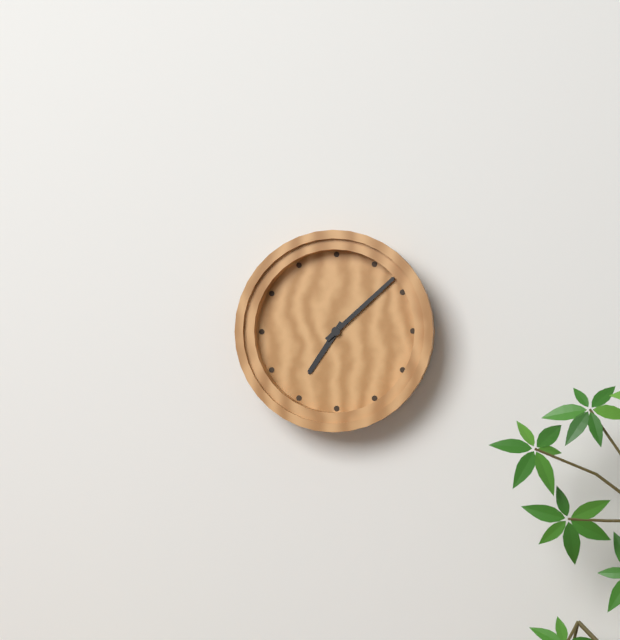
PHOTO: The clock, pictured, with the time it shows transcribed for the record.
7:08
